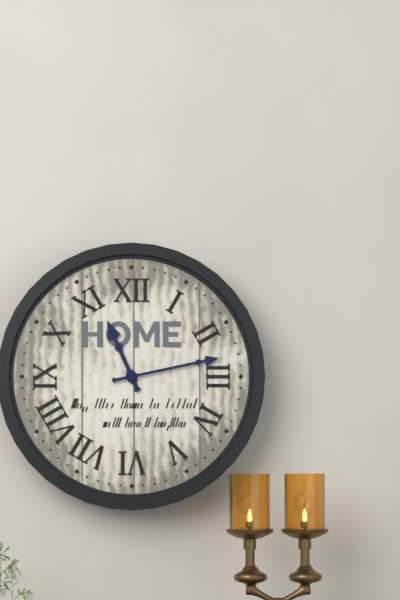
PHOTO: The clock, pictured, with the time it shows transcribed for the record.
11:13
